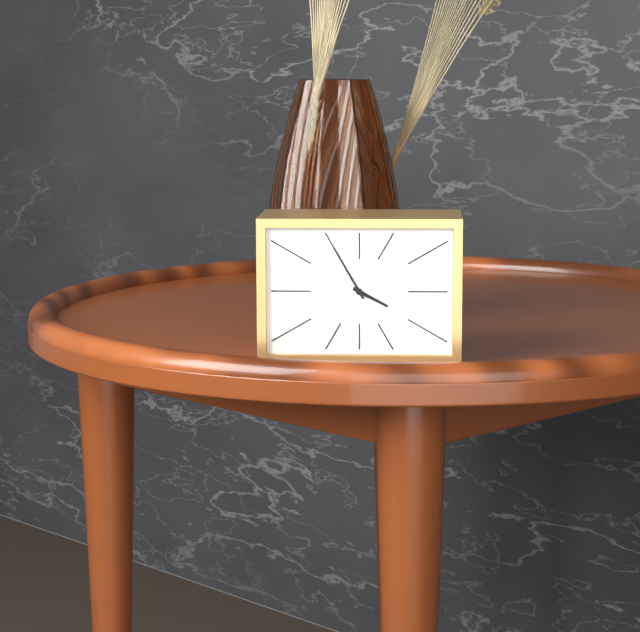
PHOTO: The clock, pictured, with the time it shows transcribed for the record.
3:55
